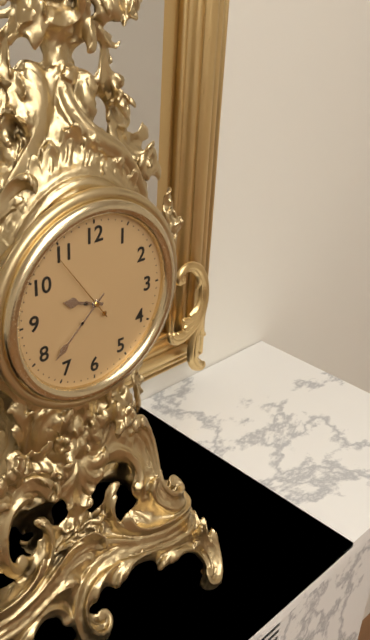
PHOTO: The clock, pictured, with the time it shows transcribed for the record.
9:38:54
